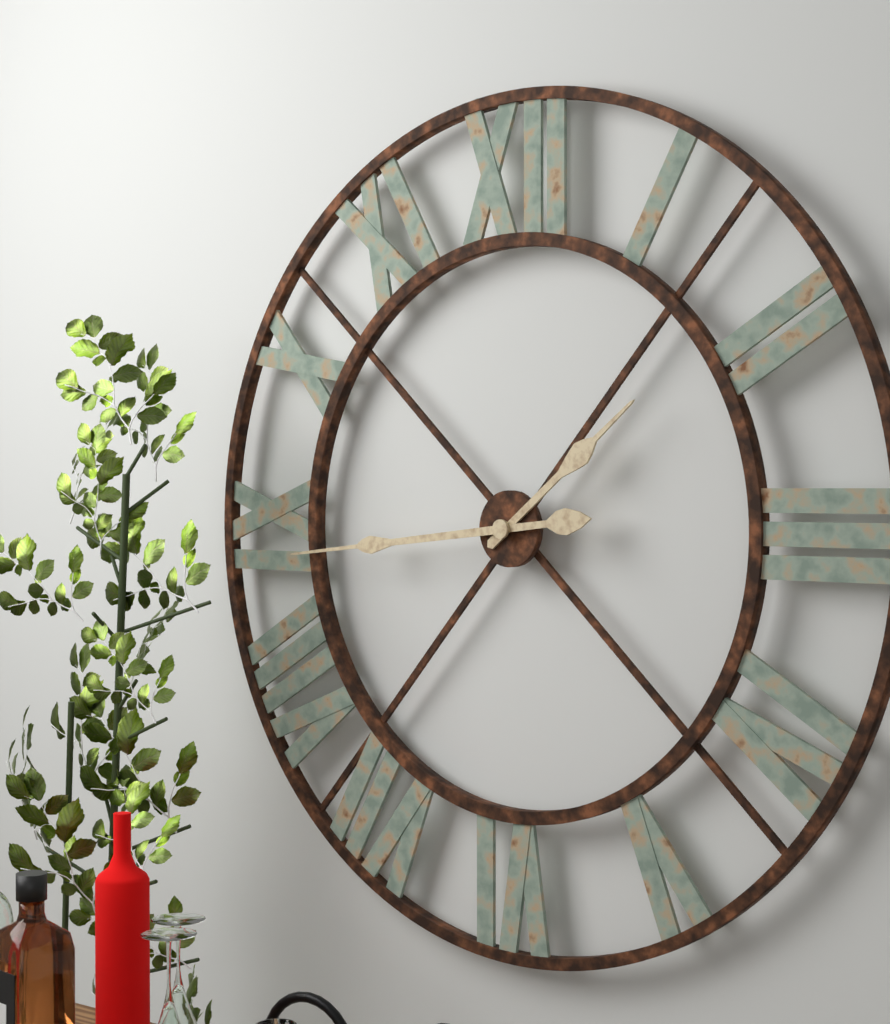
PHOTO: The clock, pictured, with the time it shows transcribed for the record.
1:44
